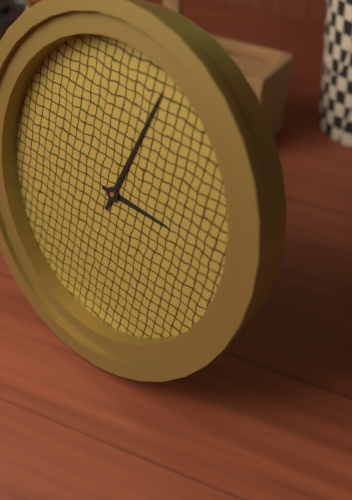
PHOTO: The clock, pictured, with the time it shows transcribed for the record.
3:03
